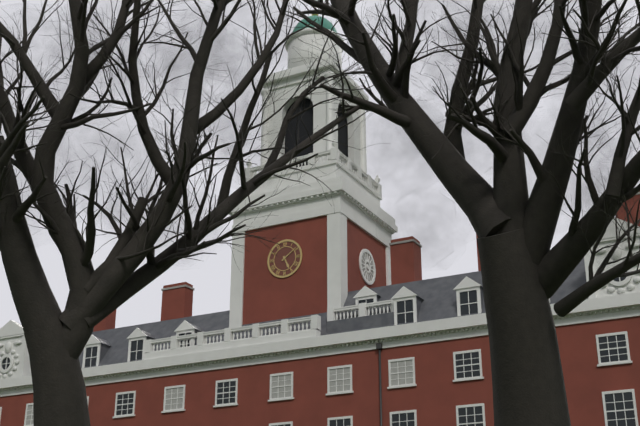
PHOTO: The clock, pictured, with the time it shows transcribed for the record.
5:09
